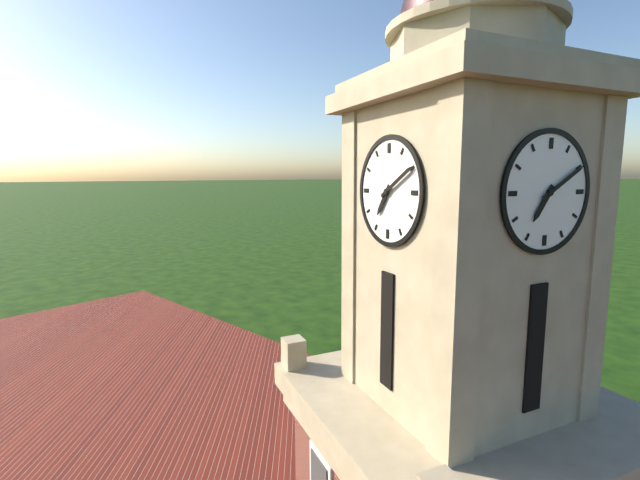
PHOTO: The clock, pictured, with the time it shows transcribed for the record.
7:10
